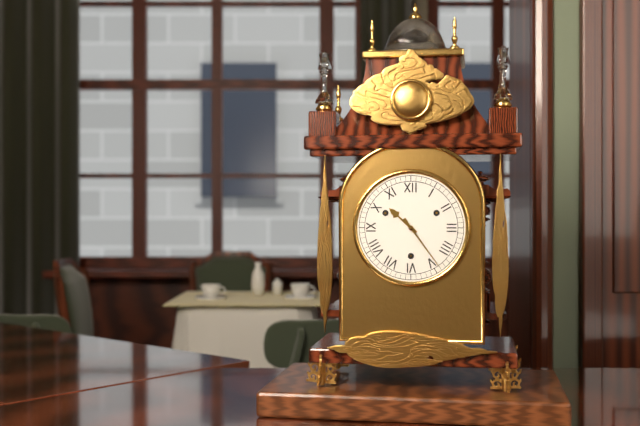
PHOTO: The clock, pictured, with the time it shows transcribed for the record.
10:24
